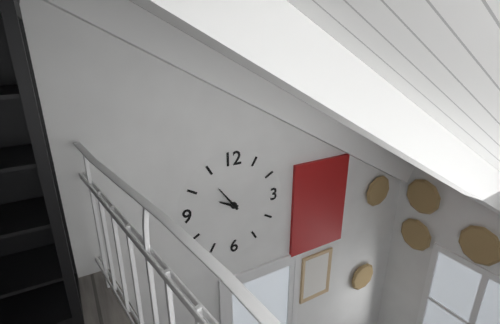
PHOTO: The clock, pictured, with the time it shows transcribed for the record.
9:54
